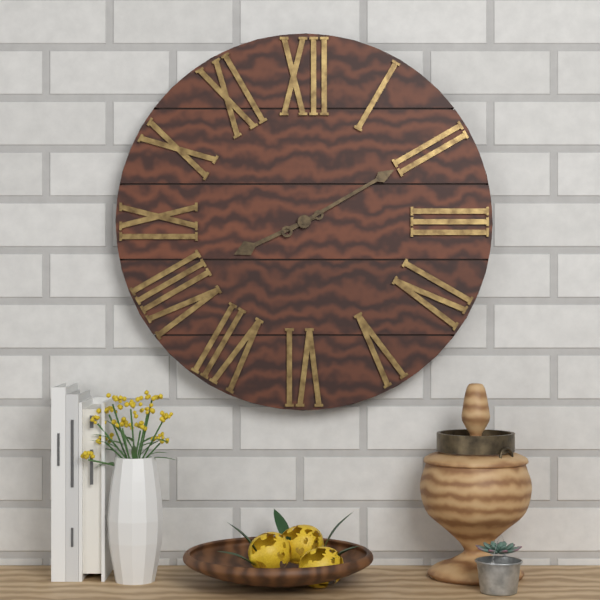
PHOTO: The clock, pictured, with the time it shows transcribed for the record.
8:10
